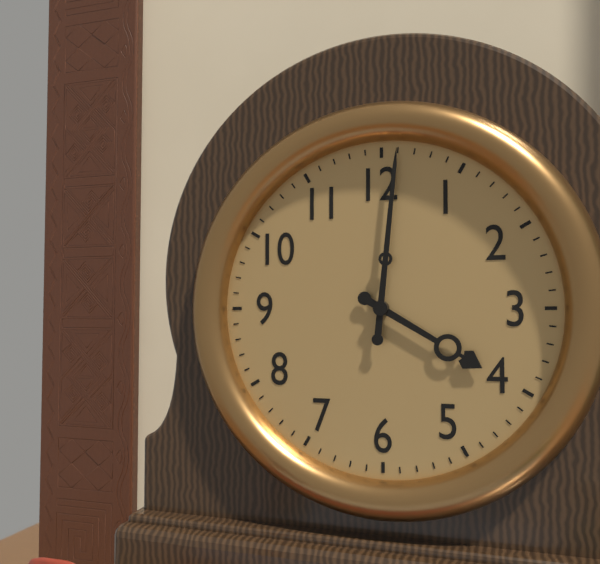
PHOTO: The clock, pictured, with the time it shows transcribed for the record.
4:01
